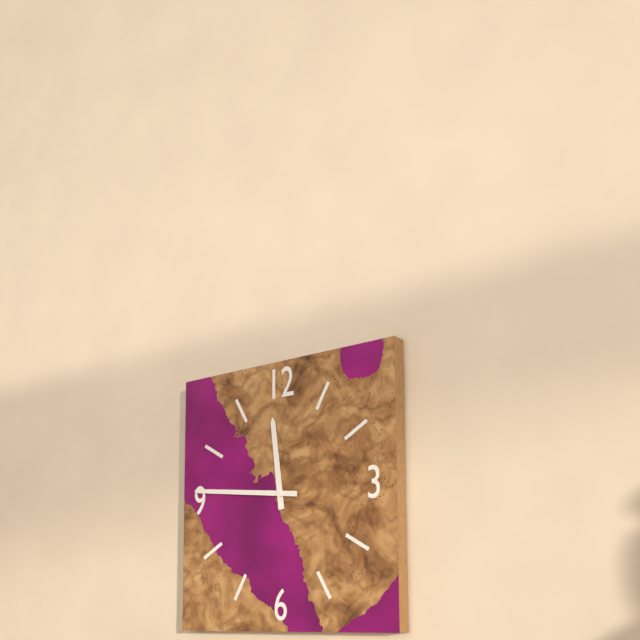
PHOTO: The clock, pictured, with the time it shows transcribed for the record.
11:46
